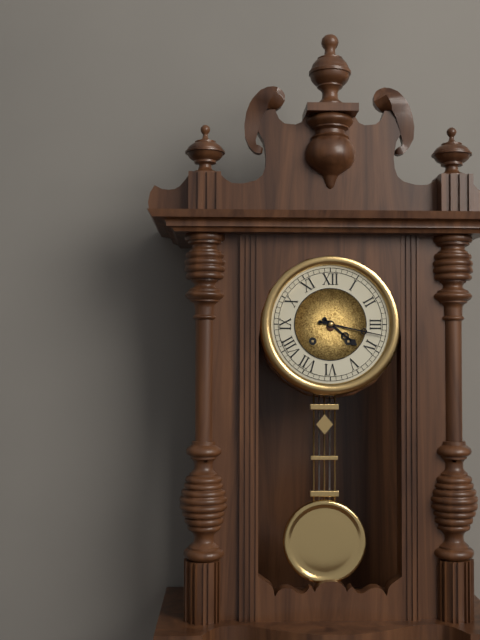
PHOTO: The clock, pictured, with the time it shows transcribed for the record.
4:17
